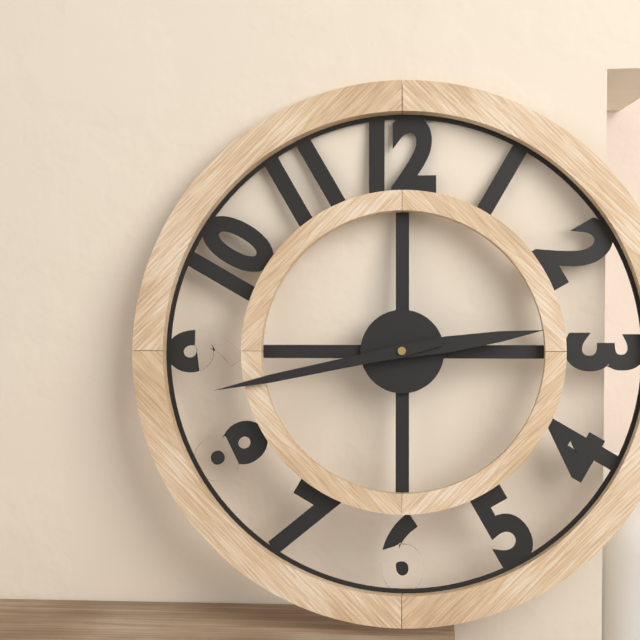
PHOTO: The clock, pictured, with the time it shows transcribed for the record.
2:43
